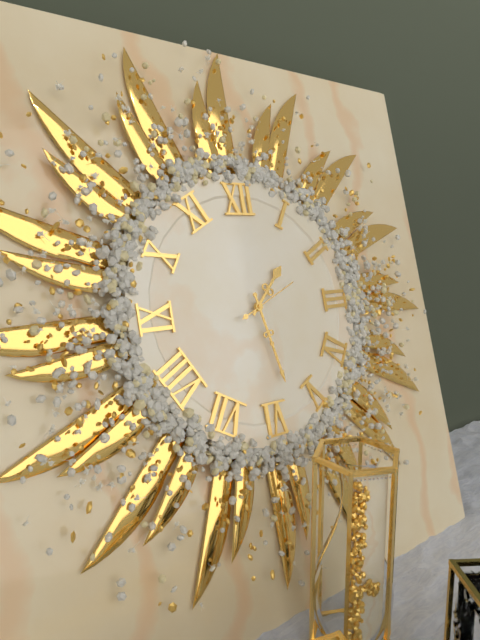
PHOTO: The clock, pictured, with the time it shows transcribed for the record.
1:28:11
